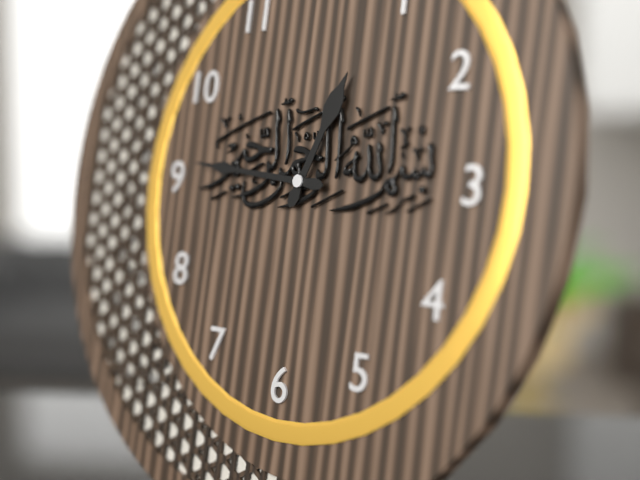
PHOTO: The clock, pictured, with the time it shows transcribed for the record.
12:46
